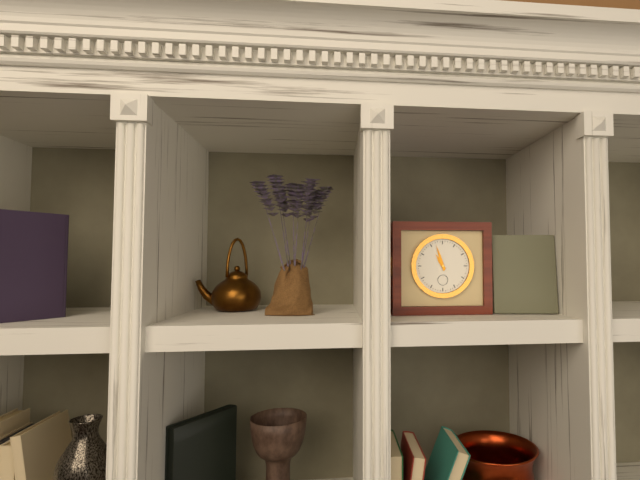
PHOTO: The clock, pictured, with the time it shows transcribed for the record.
10:57
